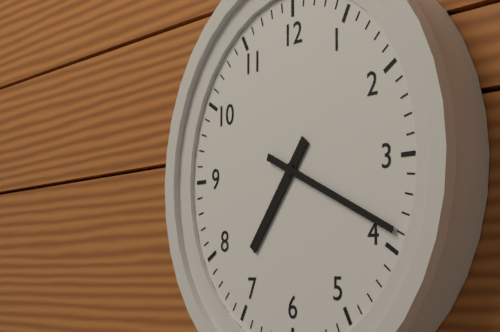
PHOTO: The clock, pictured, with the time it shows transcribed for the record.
7:19
